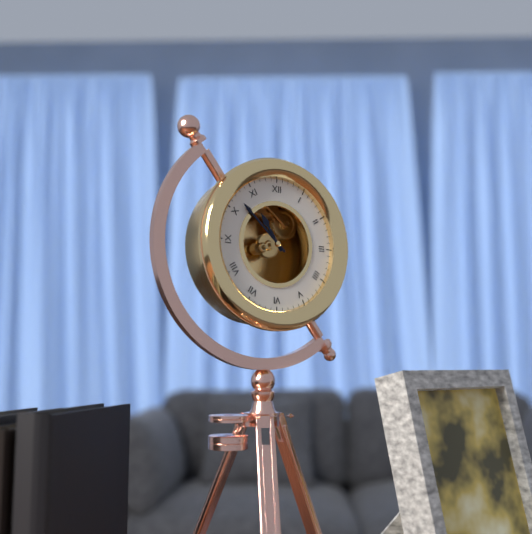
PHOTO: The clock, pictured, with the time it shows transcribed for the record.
10:52
